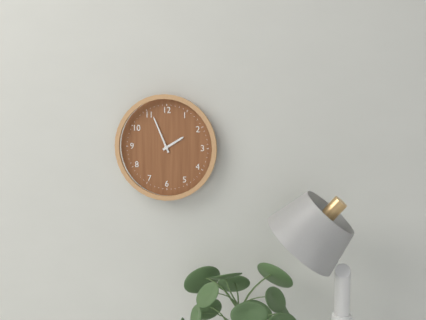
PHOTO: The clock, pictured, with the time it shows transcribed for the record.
1:56
